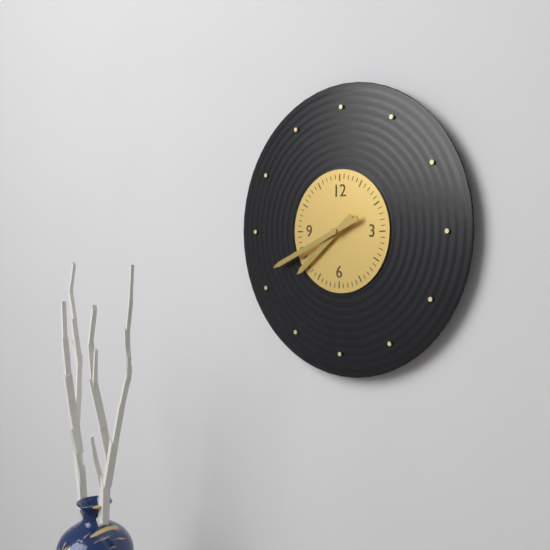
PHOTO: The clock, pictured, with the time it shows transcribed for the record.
7:41
